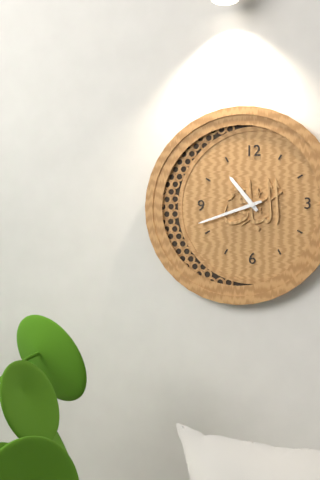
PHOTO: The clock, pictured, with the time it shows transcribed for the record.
10:42
